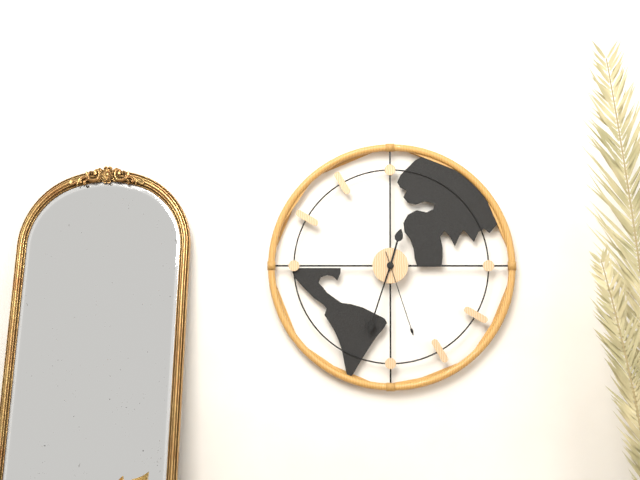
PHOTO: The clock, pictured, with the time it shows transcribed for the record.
12:33:27
